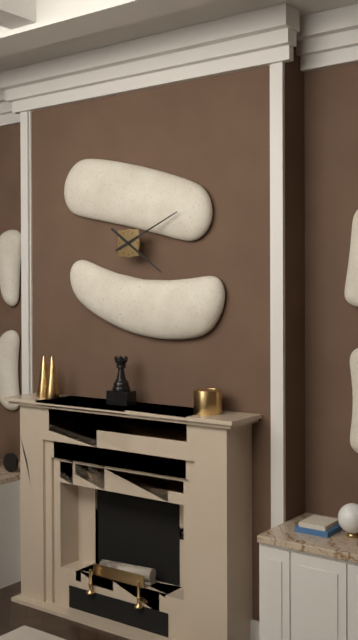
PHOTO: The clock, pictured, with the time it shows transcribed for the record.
4:11
